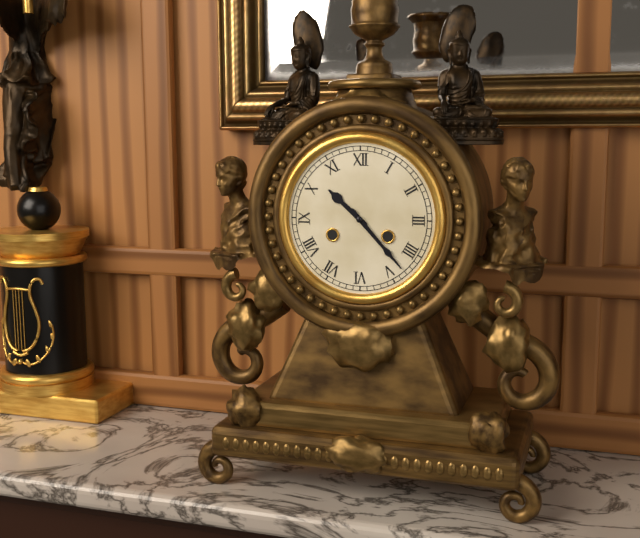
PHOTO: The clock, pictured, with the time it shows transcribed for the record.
10:23
